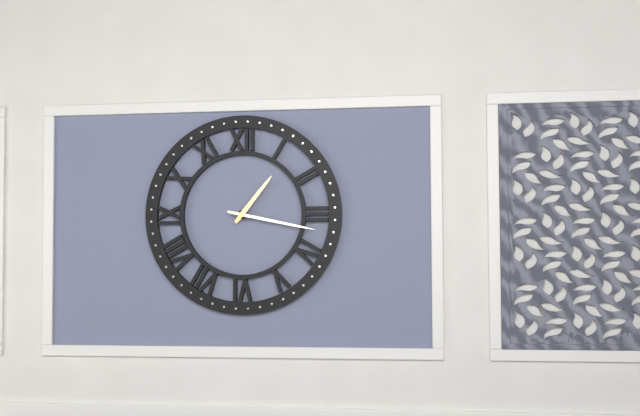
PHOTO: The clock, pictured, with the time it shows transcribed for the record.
1:17
